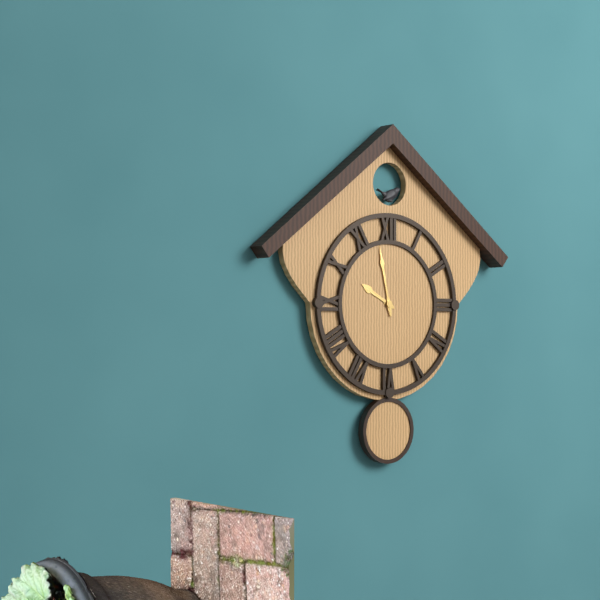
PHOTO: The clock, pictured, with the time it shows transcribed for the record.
9:58
